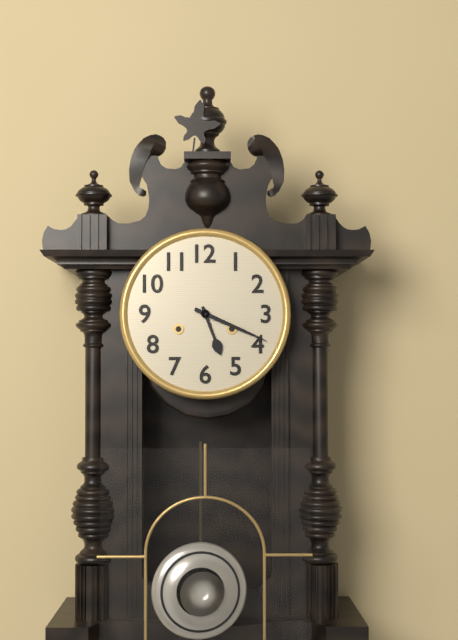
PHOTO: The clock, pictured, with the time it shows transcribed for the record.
5:19
